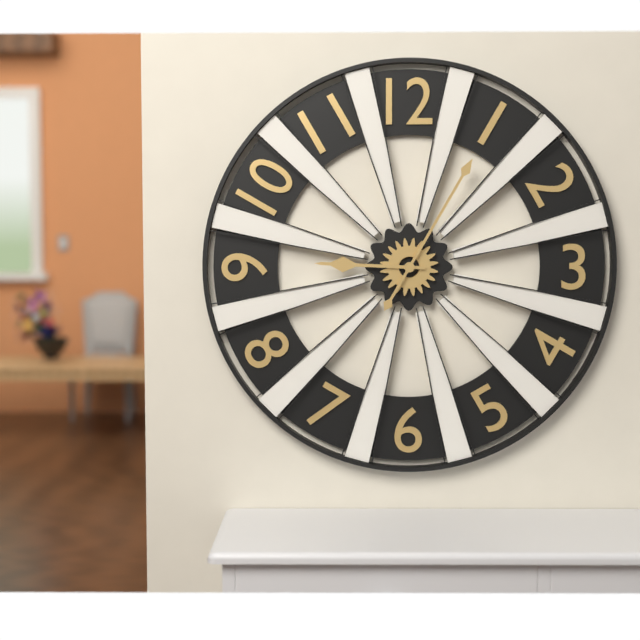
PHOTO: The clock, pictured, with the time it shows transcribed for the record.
9:05
